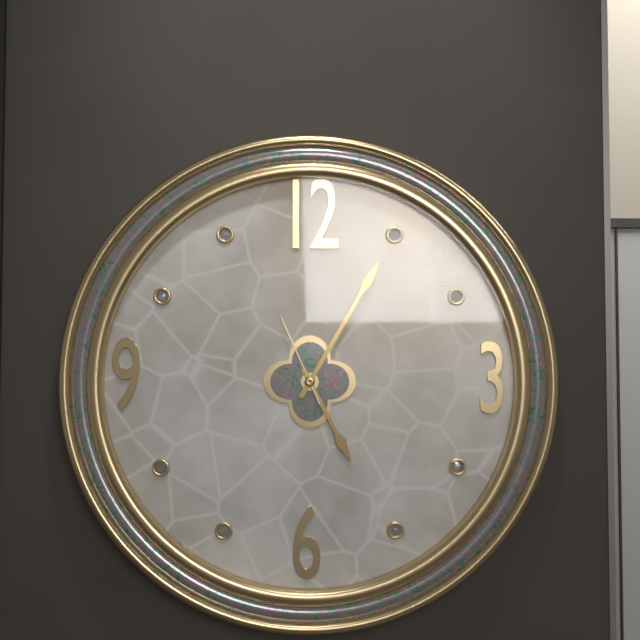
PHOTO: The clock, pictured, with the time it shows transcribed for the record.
5:05:56
